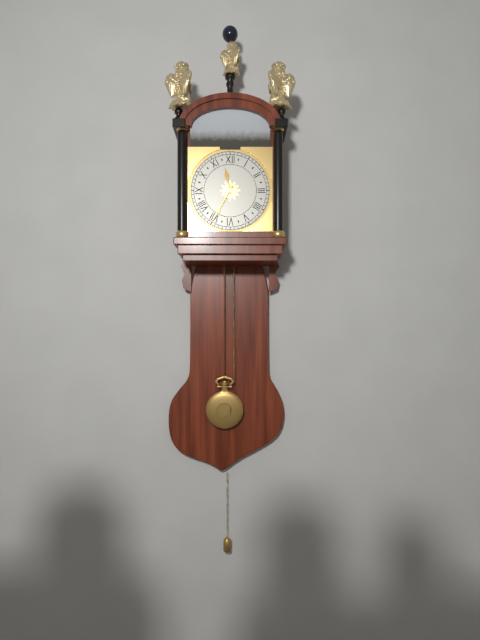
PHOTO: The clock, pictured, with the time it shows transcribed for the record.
11:35
